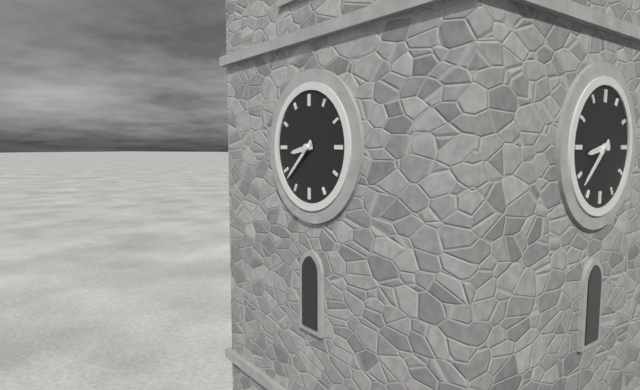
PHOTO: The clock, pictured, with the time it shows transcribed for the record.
8:38
